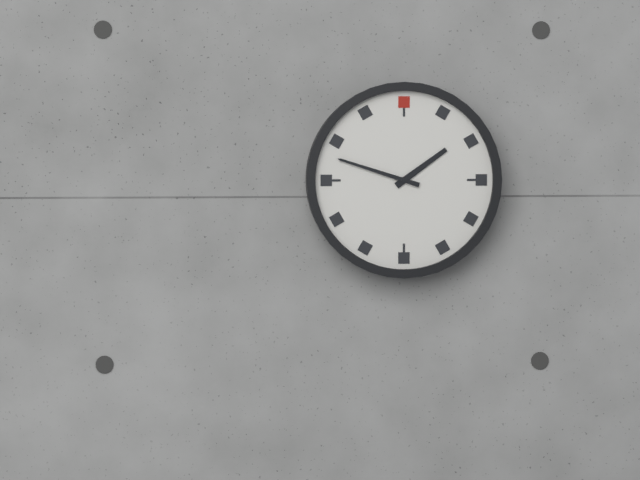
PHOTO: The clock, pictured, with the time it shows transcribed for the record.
1:48
